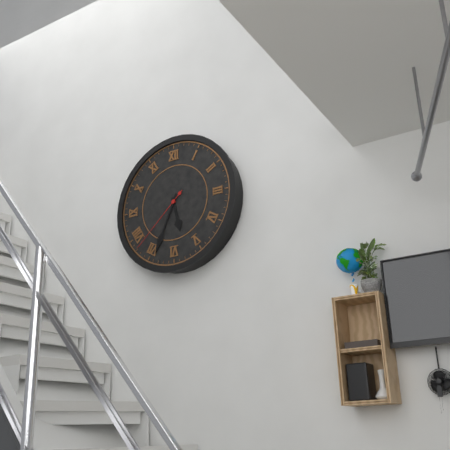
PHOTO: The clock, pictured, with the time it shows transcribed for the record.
5:34:38
